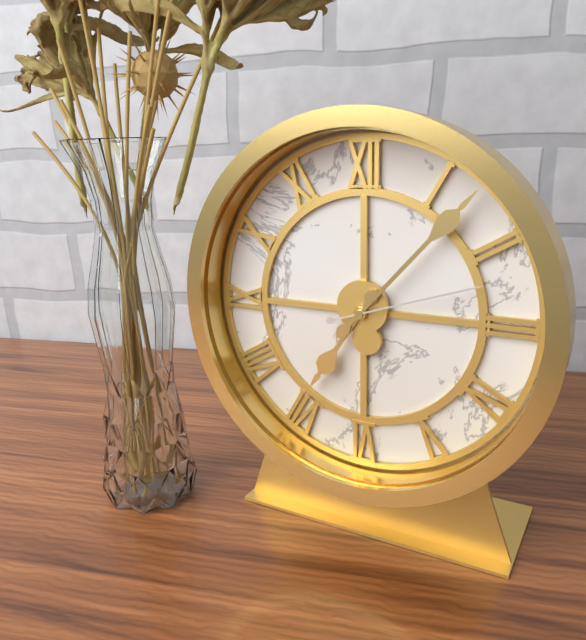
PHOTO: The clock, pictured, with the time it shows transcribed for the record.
7:07:12
